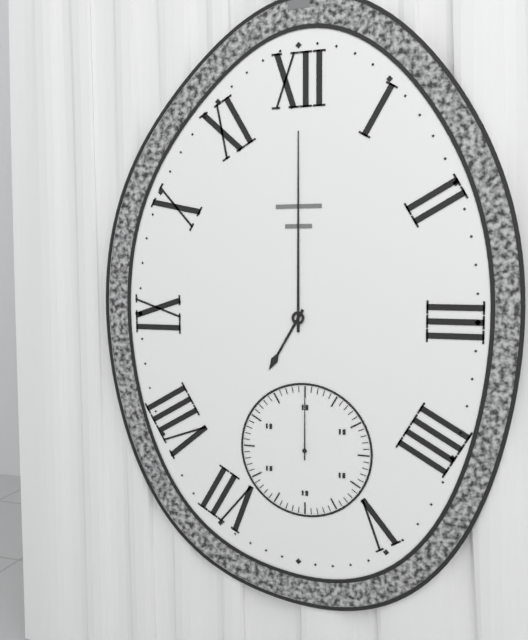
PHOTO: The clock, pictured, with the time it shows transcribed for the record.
7:00:00
